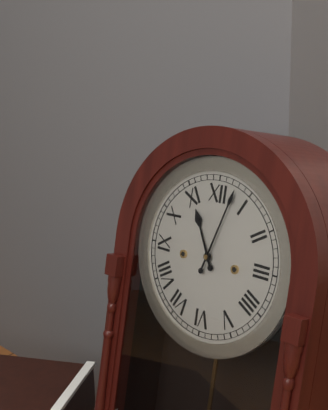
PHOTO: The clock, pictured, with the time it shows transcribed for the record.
11:03
